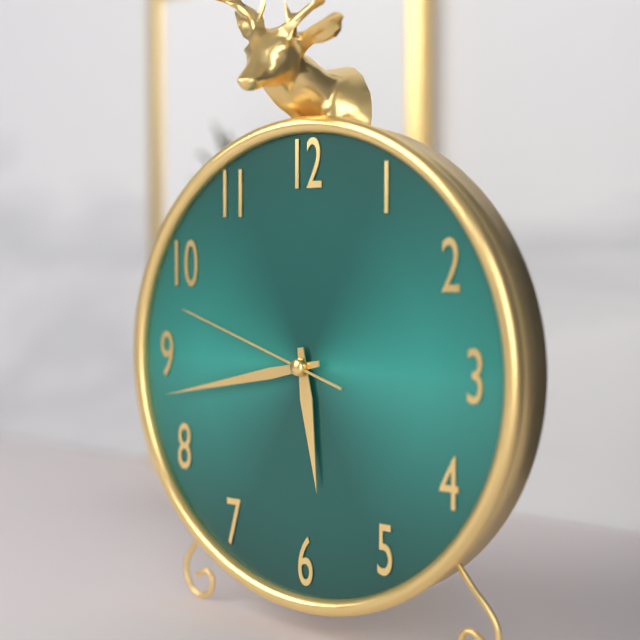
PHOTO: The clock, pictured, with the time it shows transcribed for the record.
5:43:48
